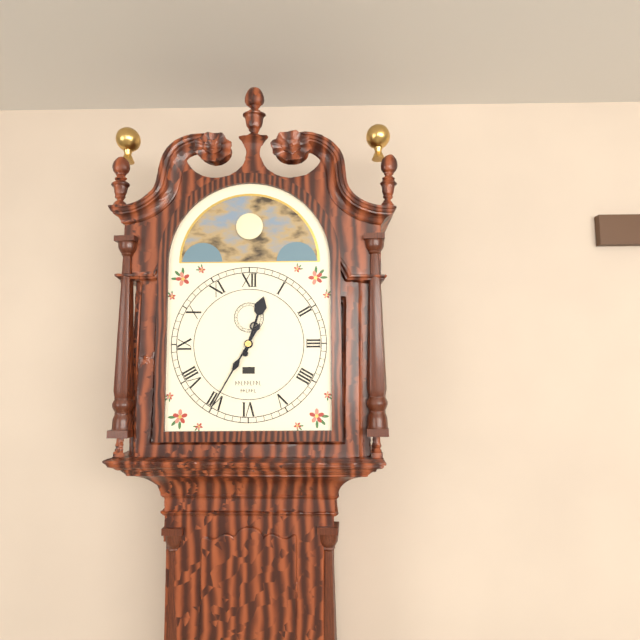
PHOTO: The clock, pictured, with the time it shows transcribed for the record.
12:35
